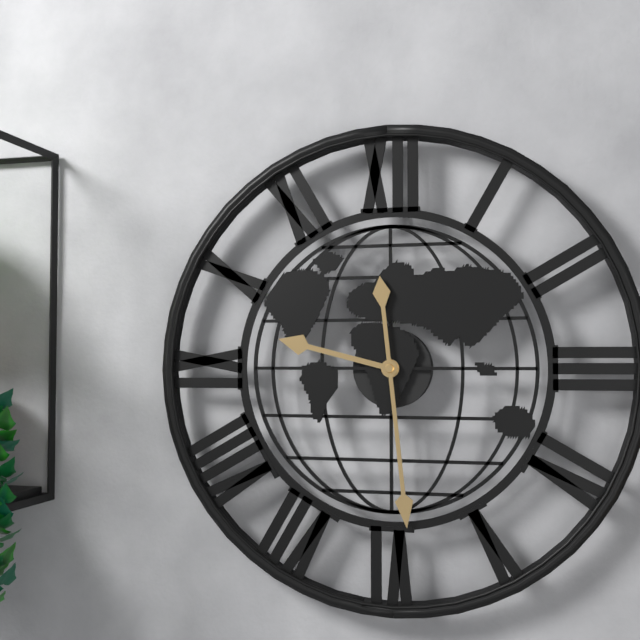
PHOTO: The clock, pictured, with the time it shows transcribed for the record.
9:29
